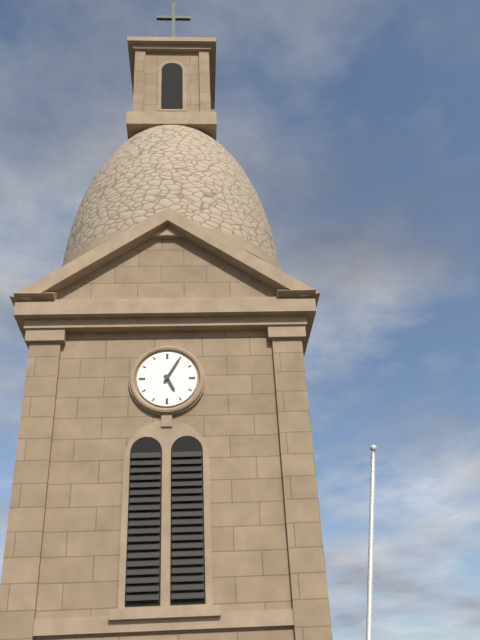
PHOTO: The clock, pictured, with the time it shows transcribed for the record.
5:05
